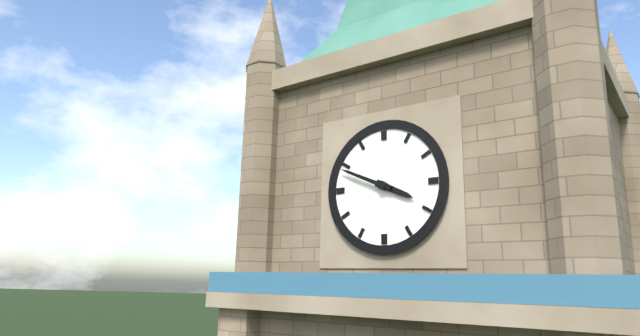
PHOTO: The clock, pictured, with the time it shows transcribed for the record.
3:49
